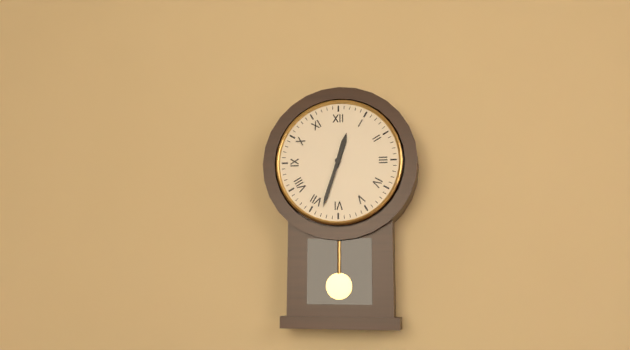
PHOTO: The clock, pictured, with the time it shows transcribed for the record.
12:33
